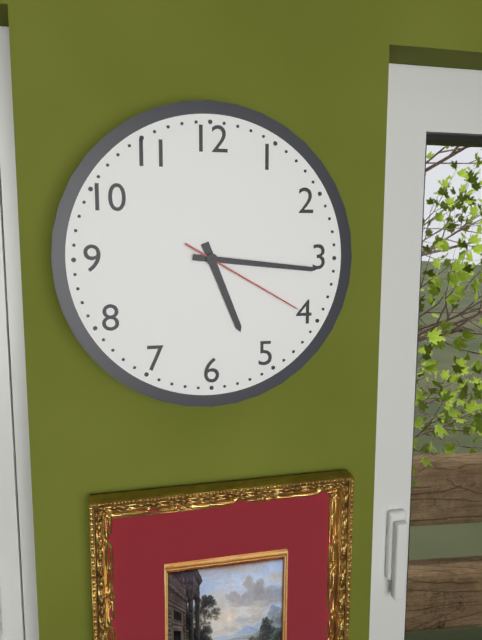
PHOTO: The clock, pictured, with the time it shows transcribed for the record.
5:16:20
